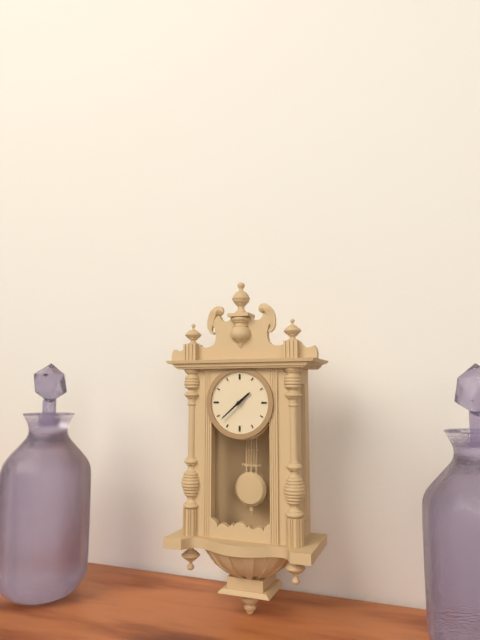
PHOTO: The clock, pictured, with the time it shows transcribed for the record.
1:38
